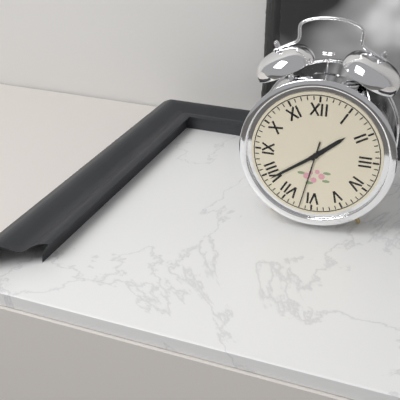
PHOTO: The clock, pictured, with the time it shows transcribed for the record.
1:39:32
